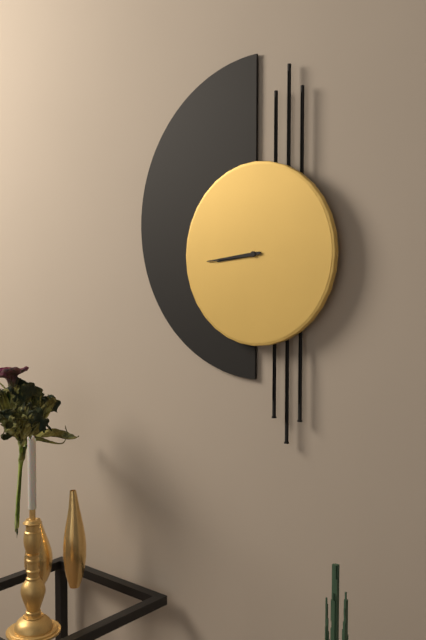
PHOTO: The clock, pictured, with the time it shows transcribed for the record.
8:44
